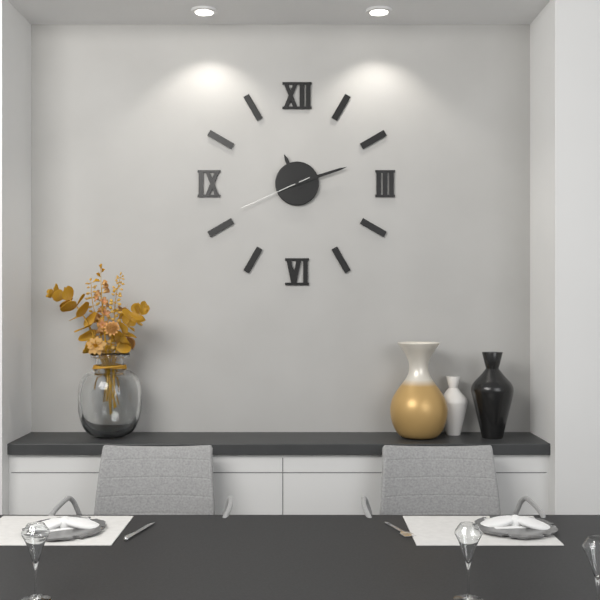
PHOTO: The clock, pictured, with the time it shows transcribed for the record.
11:12:41
